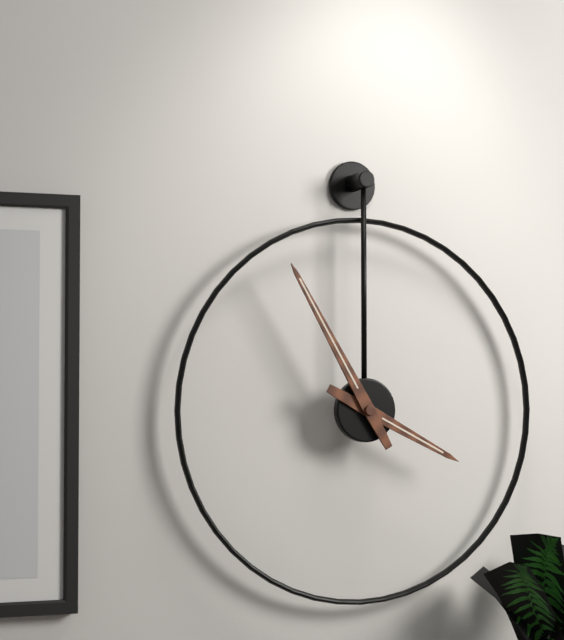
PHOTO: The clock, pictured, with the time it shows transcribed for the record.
3:55
